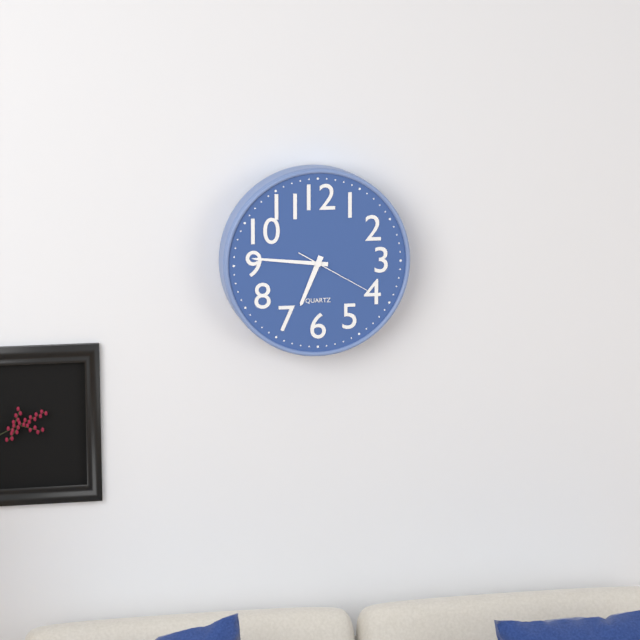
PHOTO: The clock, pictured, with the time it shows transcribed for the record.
6:46:20
